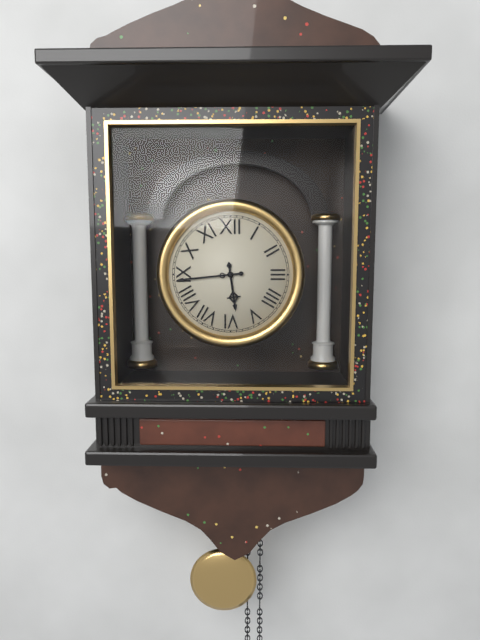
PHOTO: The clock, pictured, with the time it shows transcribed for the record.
5:44
